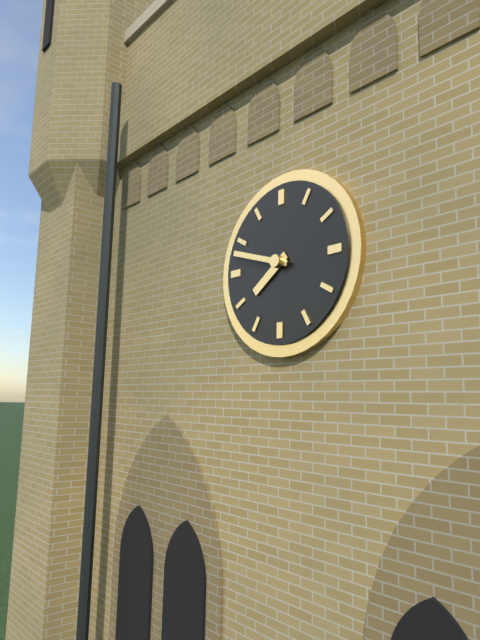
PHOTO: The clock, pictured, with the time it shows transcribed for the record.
7:48
